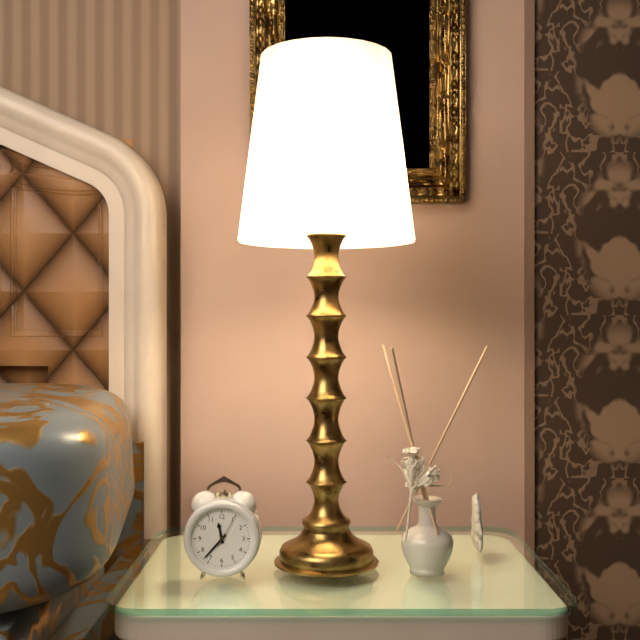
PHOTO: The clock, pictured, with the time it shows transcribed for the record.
11:37
